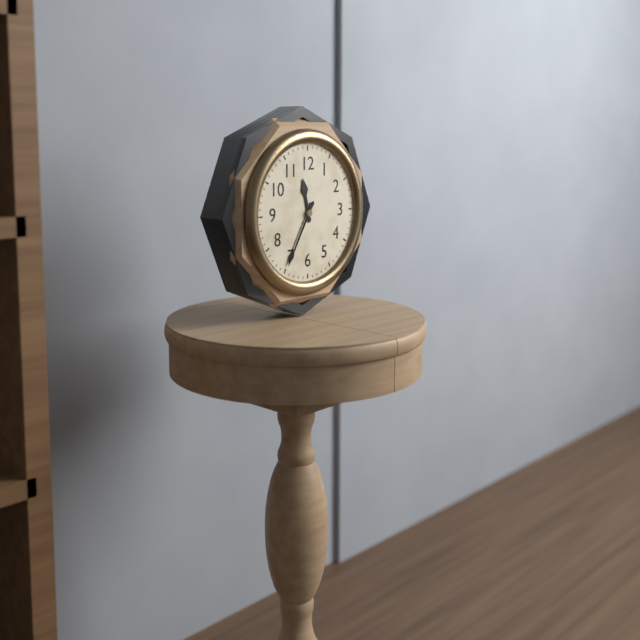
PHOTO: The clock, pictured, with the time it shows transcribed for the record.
11:35
